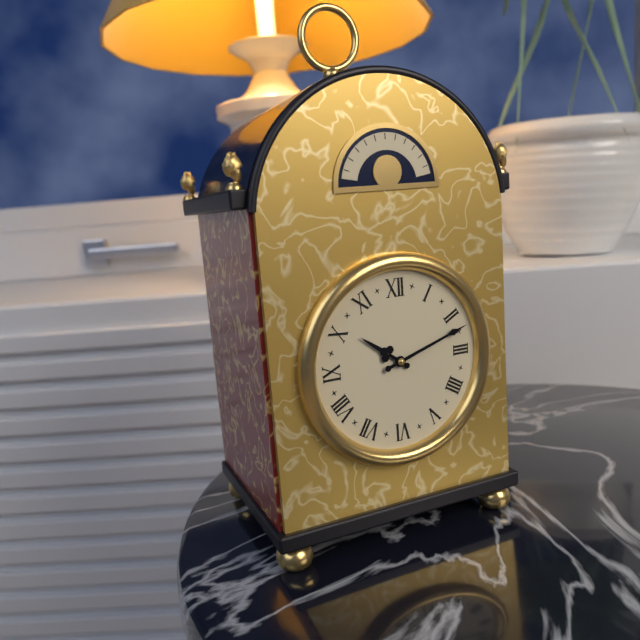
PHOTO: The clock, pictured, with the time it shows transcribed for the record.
10:12
